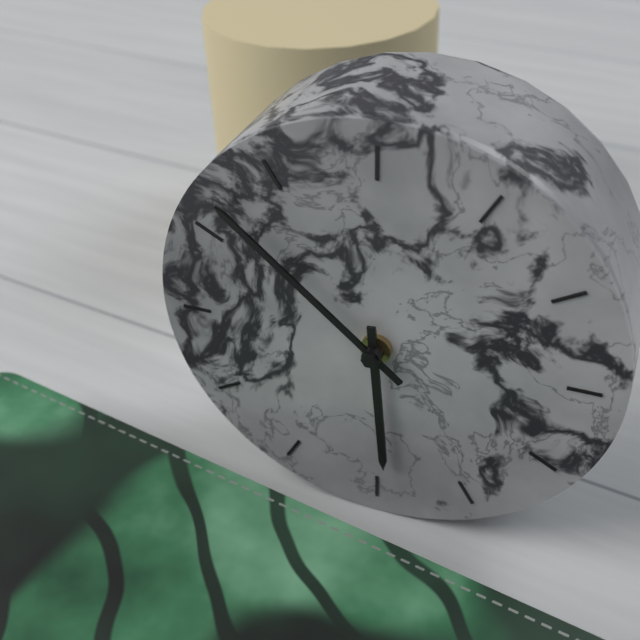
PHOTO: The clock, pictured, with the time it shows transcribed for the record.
5:52
